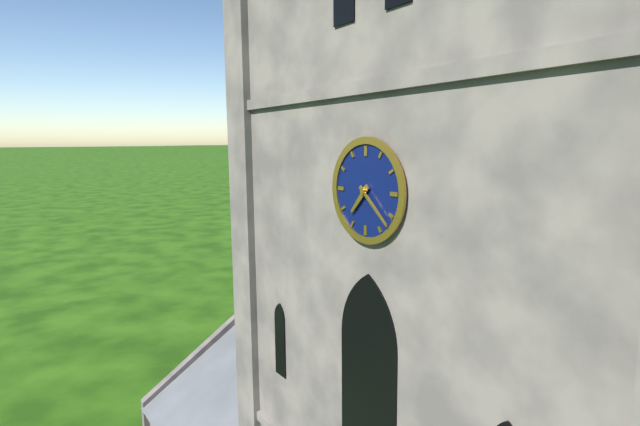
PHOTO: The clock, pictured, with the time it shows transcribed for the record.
7:22
